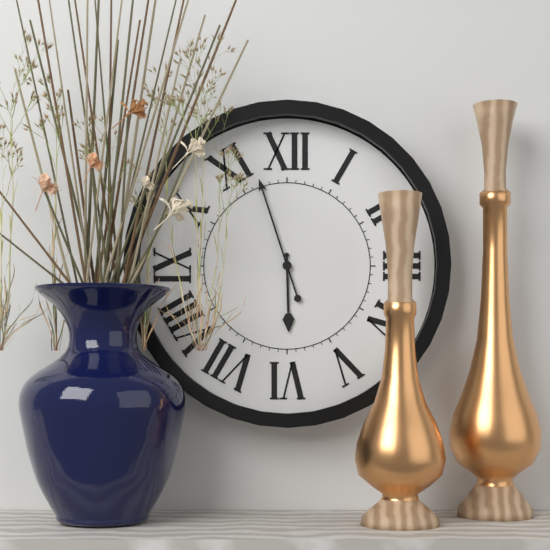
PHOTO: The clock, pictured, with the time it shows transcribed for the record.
5:57
